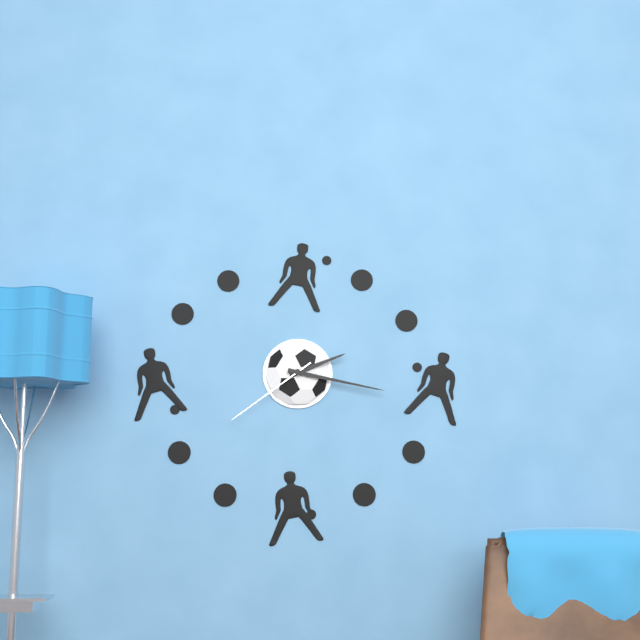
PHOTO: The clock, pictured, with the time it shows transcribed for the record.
2:17:39
